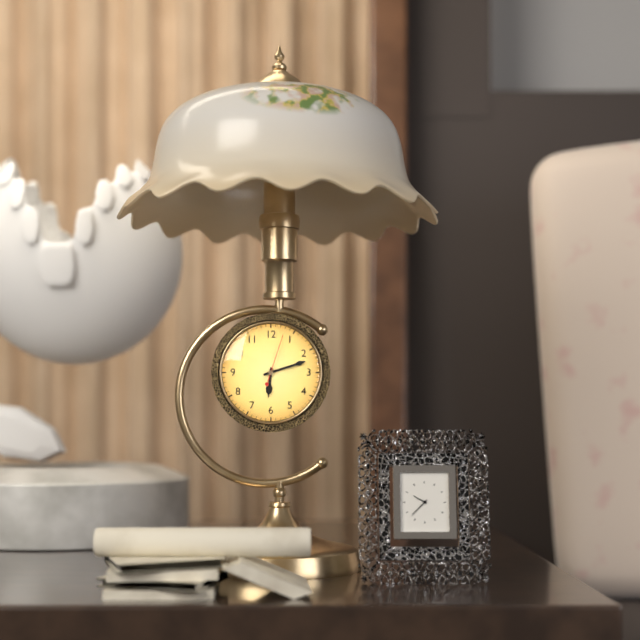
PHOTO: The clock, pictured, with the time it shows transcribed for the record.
6:12
